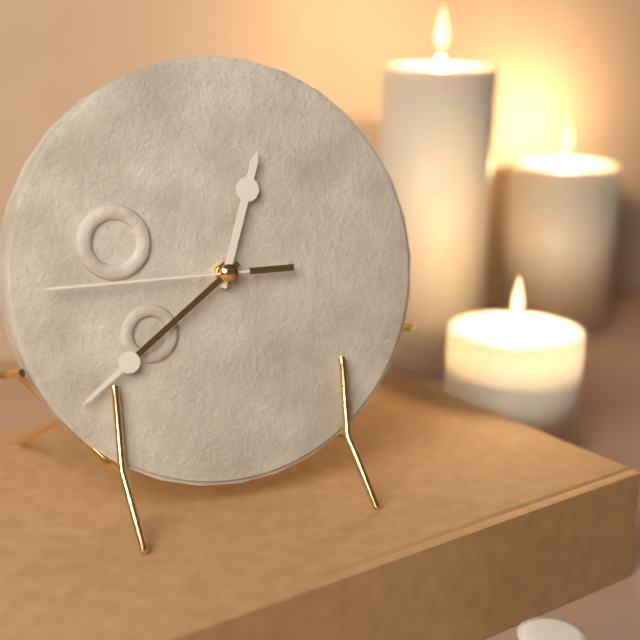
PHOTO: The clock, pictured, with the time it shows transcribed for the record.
12:39:45
